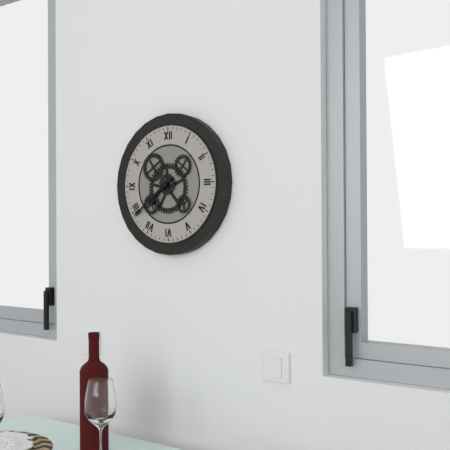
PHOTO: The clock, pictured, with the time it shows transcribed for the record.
7:39
